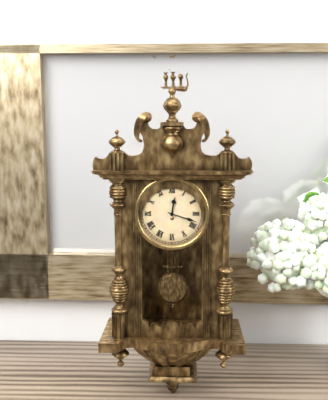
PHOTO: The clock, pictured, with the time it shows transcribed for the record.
12:18
